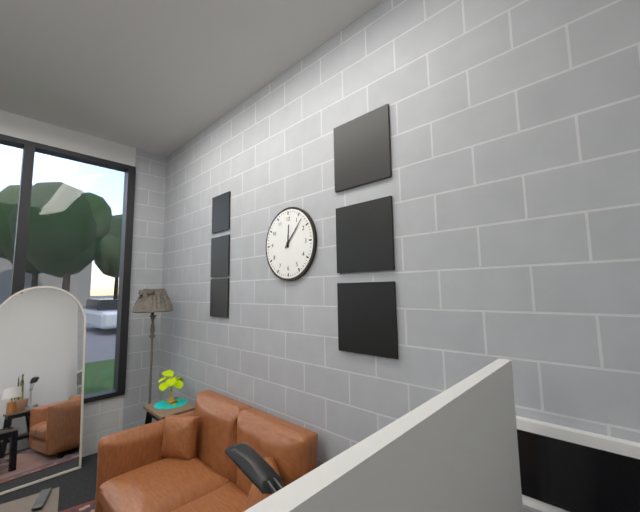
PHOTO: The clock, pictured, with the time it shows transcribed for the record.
12:07
